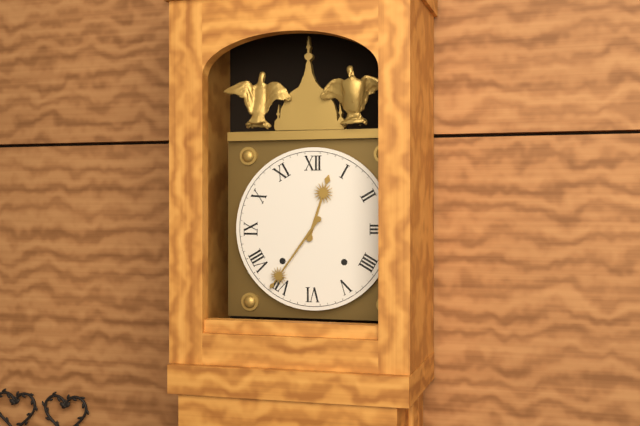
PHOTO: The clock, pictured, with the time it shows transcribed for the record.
12:36
